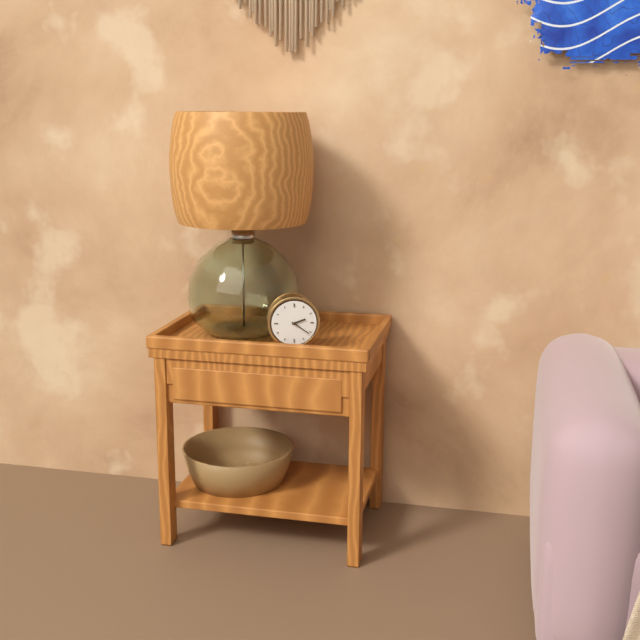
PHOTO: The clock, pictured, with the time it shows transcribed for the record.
2:21
